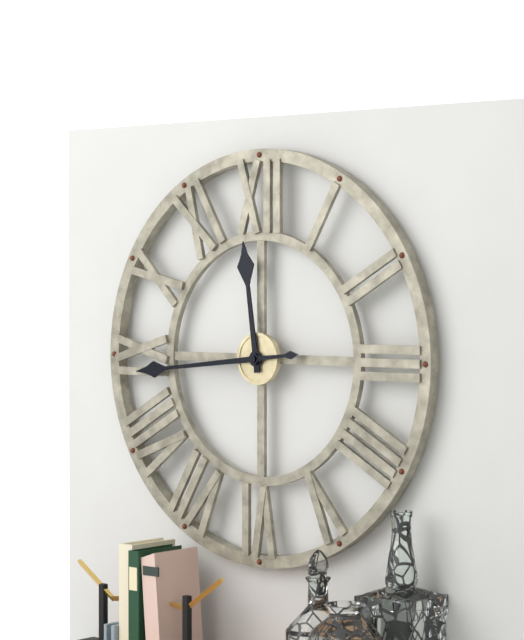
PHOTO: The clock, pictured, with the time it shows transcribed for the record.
11:44
